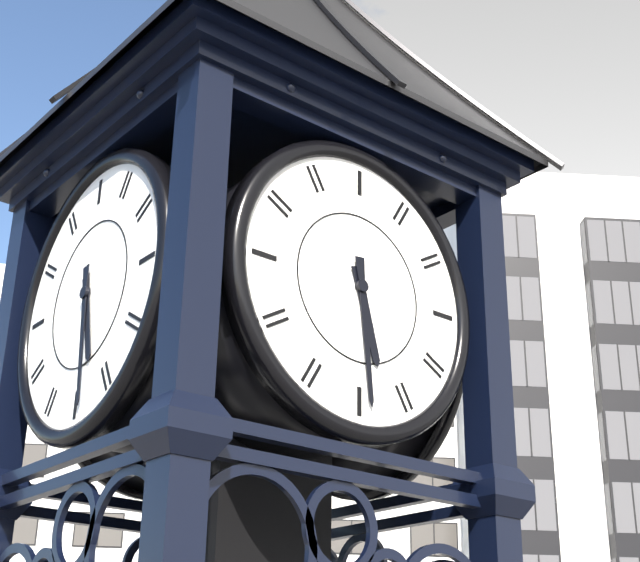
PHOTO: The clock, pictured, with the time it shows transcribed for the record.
5:29
